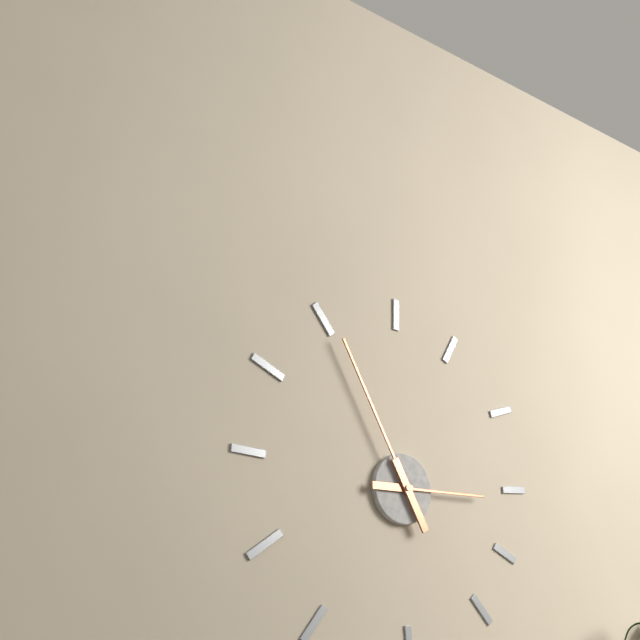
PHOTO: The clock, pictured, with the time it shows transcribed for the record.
2:55
